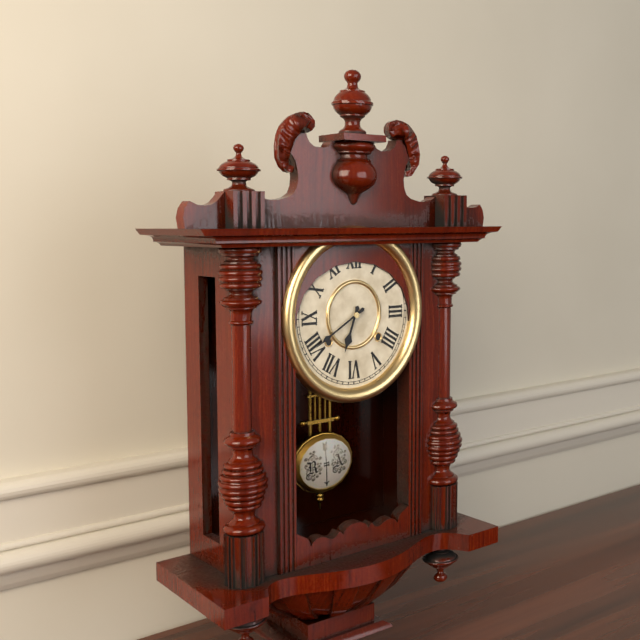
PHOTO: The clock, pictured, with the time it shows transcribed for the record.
6:40
